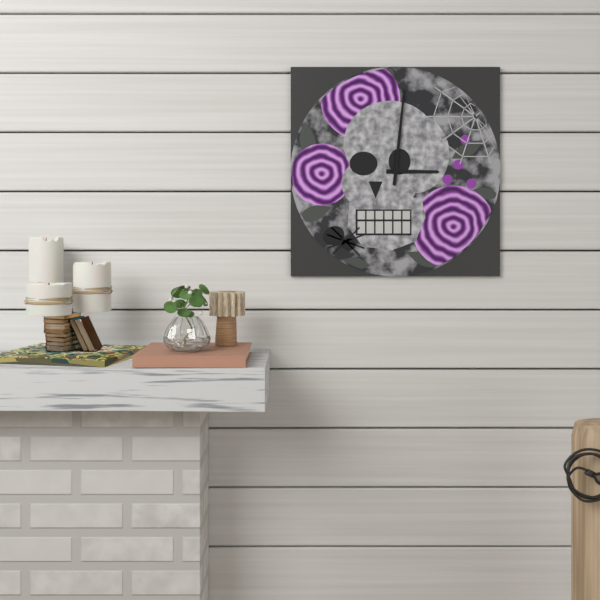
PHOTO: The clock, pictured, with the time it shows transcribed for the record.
3:01
